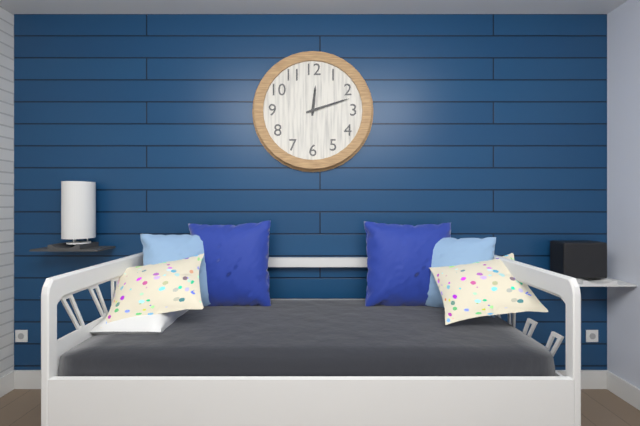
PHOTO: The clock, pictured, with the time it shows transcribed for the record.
12:12
